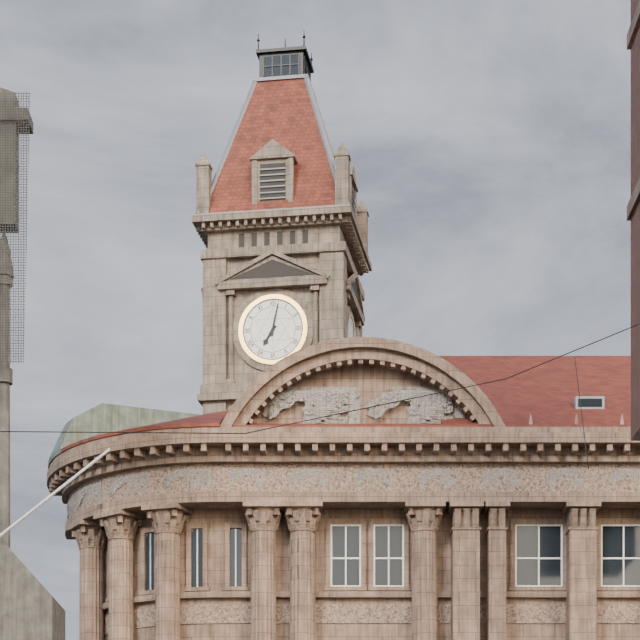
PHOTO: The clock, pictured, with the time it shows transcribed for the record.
7:02
